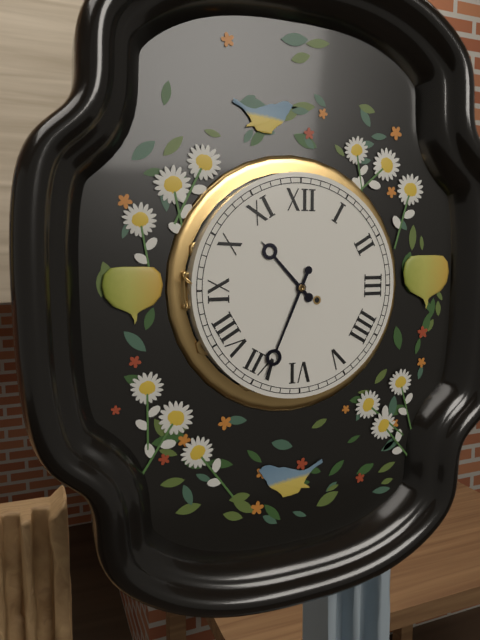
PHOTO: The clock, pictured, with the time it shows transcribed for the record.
10:34
